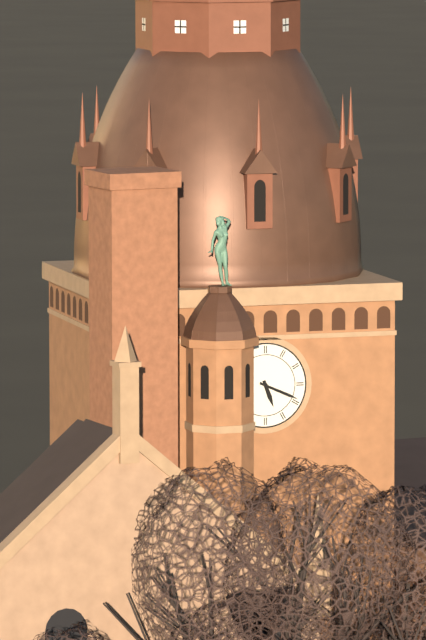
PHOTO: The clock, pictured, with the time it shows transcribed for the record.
5:19
